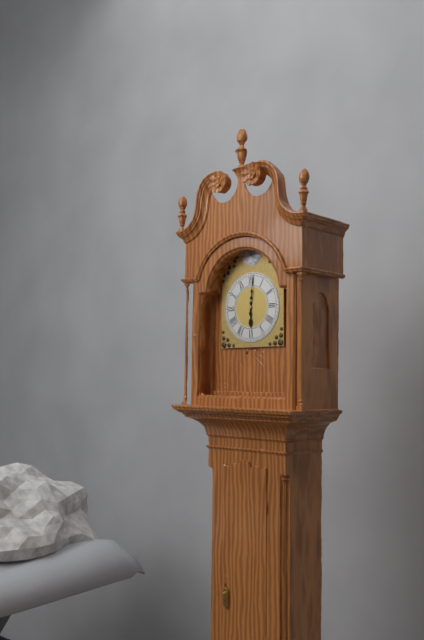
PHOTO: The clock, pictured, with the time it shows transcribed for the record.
6:01
